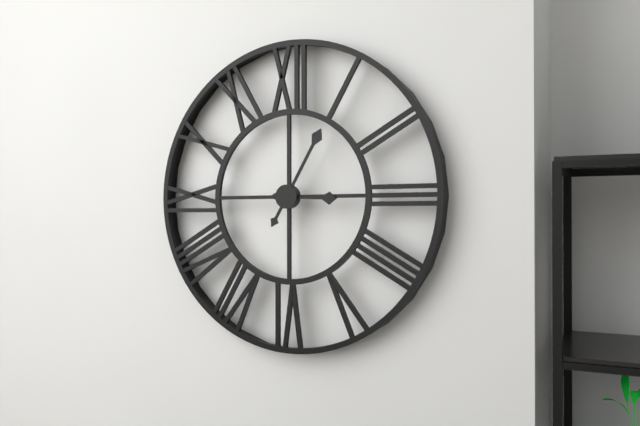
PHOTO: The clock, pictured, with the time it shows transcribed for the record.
3:05
